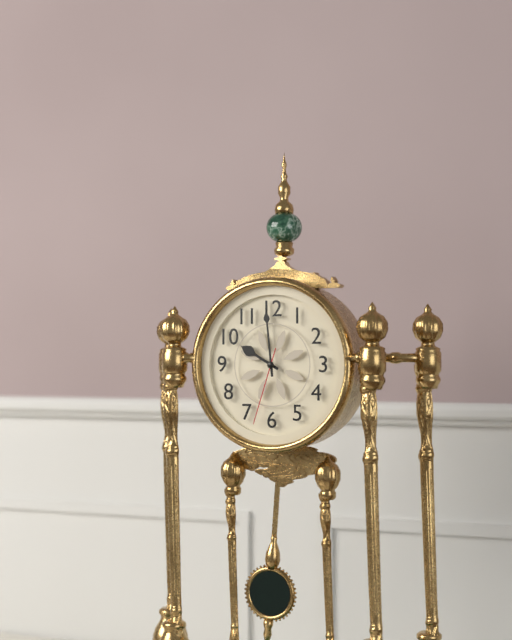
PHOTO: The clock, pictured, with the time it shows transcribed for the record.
9:59:33
